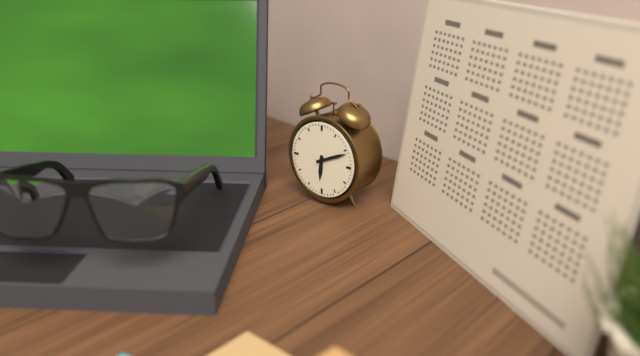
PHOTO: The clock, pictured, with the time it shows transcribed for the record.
6:11
